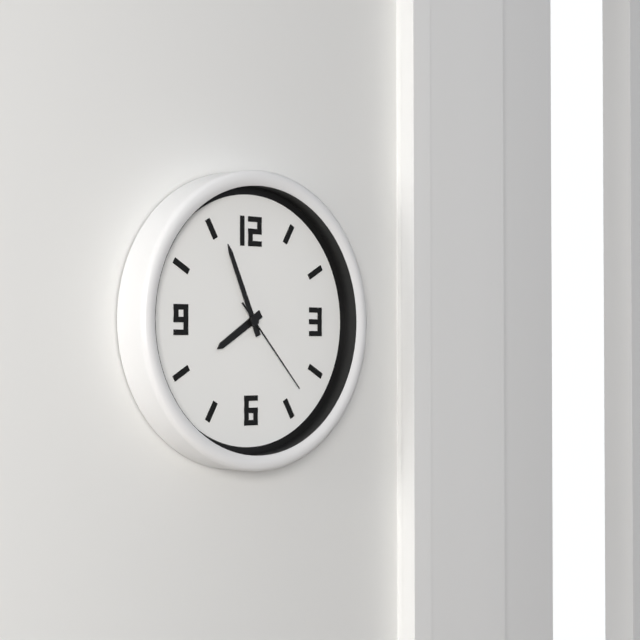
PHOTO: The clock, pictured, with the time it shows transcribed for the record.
7:56:23
